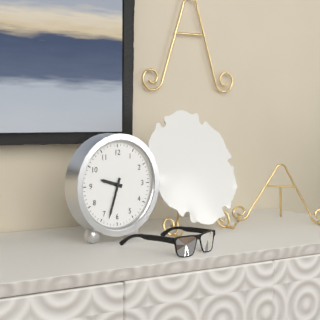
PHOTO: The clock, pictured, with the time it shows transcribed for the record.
9:33
